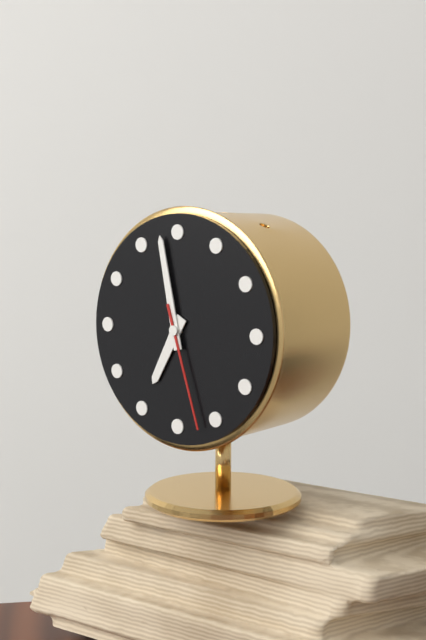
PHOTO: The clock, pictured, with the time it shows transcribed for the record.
6:58:27
